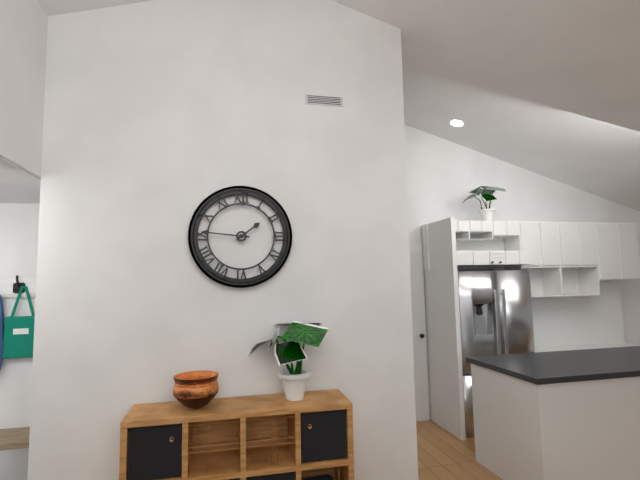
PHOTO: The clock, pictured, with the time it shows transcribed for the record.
1:46
